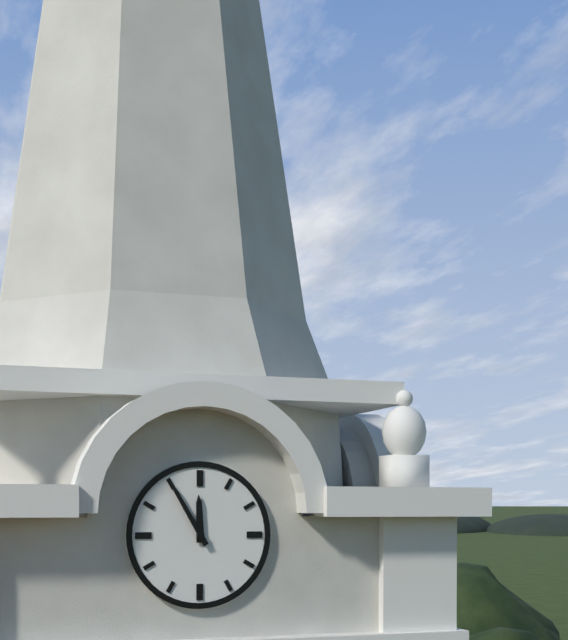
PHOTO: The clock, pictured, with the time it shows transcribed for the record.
11:55
